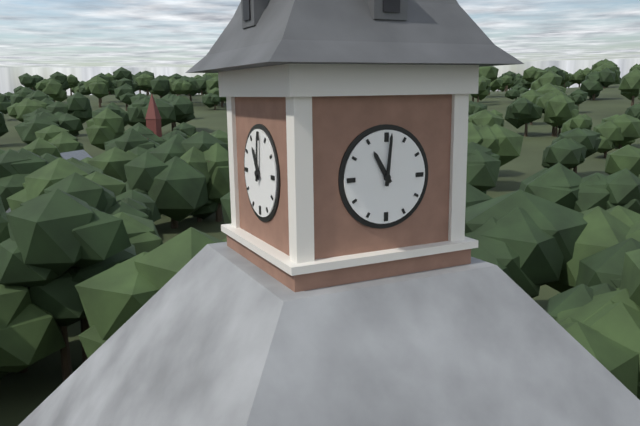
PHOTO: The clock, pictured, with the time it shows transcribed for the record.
11:01
